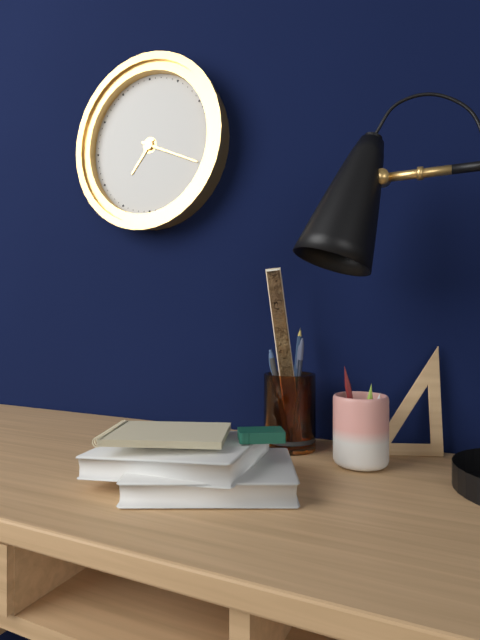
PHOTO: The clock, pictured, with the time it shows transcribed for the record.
7:19
